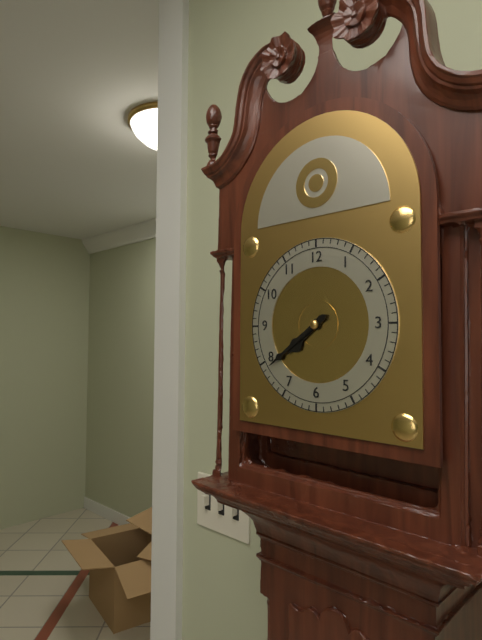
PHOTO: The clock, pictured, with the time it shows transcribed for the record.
7:39
